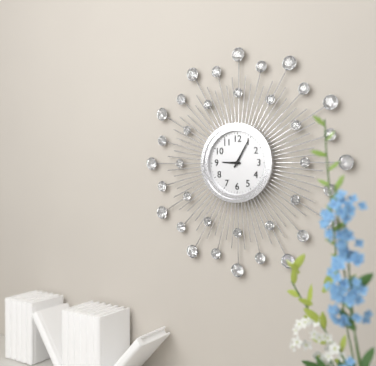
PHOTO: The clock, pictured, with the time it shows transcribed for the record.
9:05
